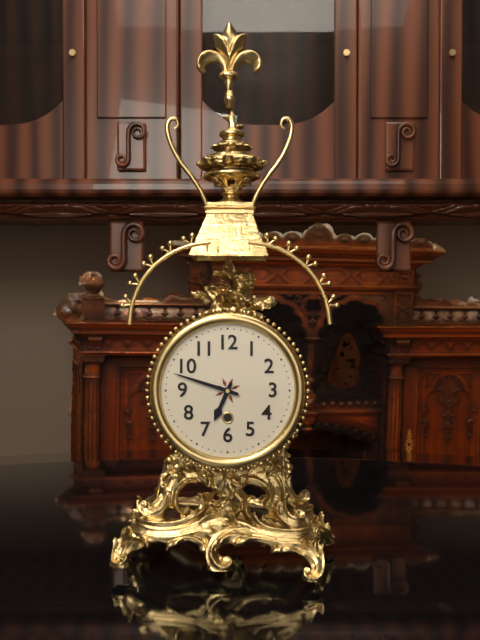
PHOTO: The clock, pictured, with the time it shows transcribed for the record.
6:48
